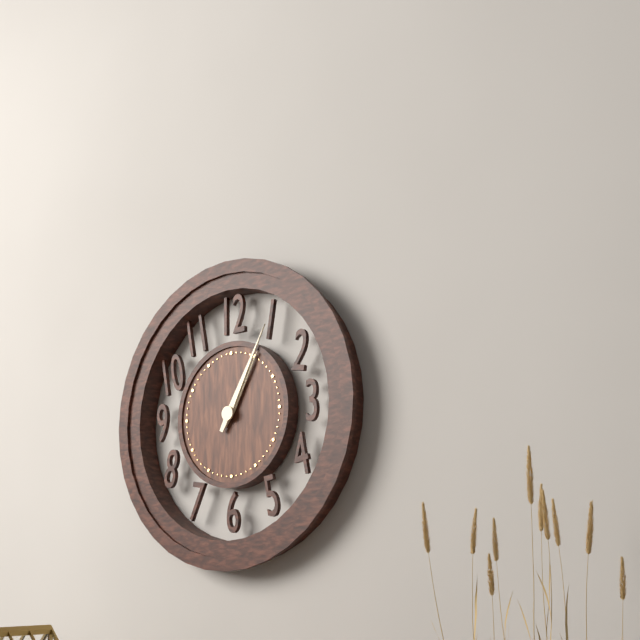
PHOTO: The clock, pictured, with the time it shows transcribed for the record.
1:05
